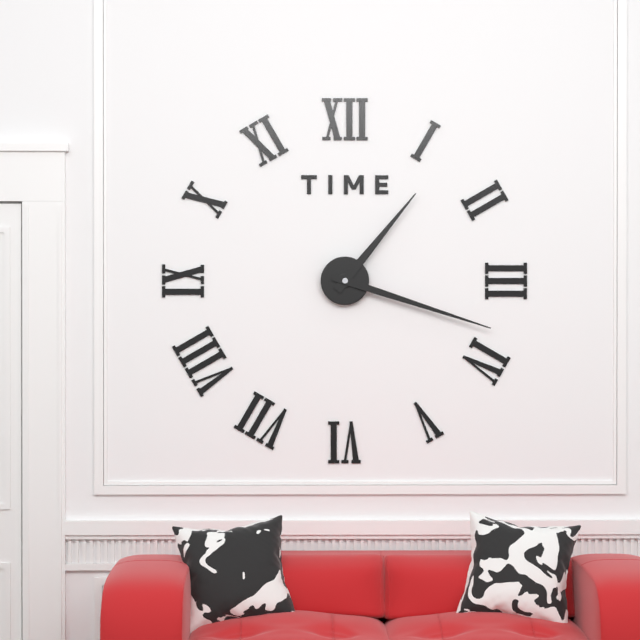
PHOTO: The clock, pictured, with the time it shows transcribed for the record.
1:18
